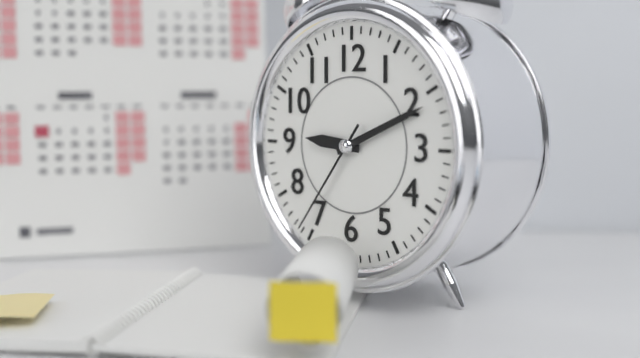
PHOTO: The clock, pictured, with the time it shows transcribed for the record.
9:11:36
